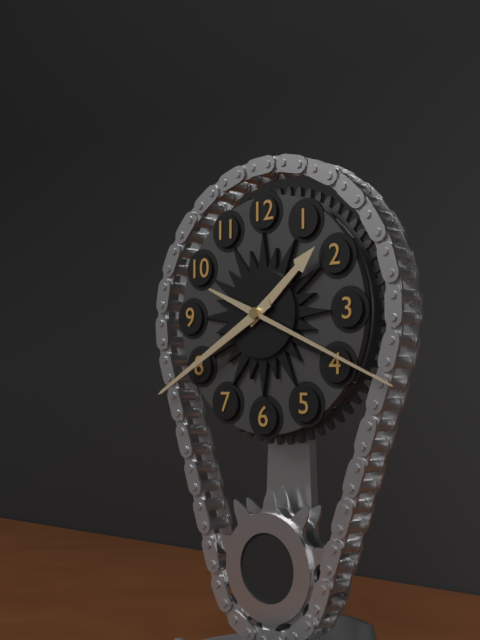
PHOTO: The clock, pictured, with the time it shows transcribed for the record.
1:40:19
